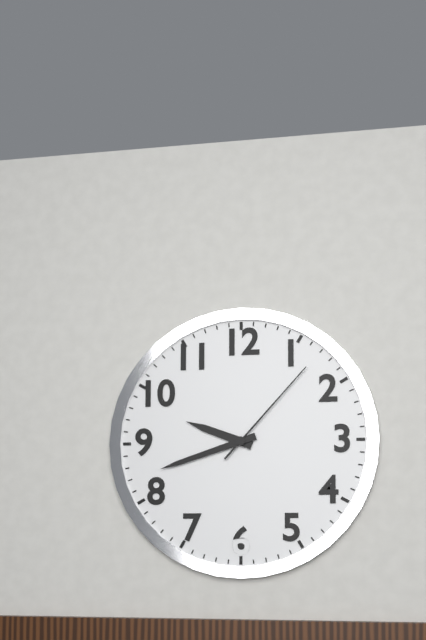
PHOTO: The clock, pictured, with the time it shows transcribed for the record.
9:42:07
